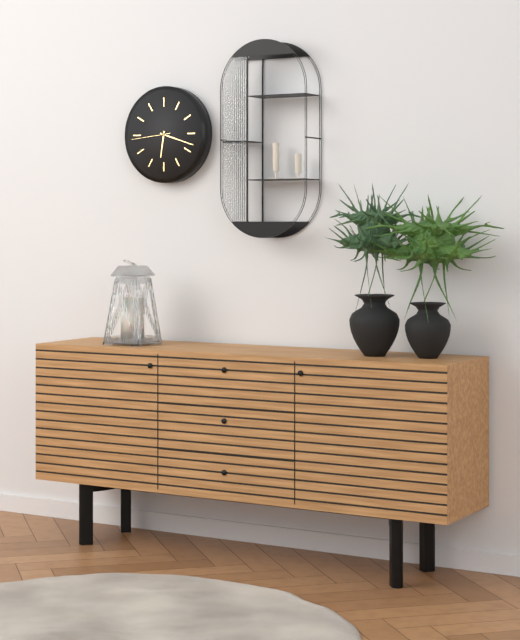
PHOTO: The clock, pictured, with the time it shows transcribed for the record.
6:18
